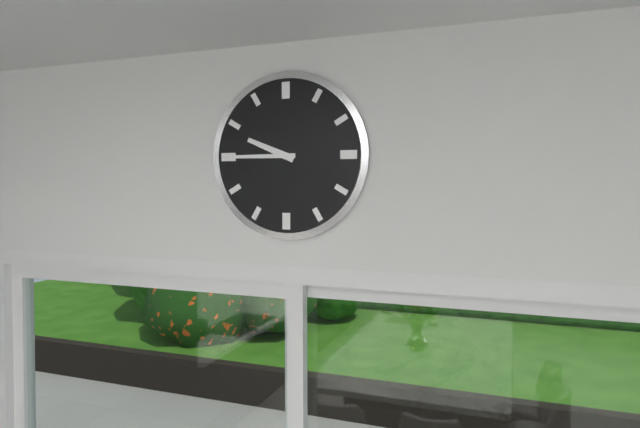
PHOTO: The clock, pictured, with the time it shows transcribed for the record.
9:45
